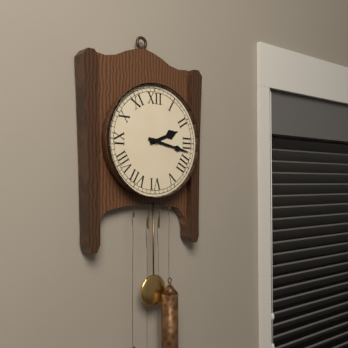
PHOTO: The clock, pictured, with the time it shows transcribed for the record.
2:17
